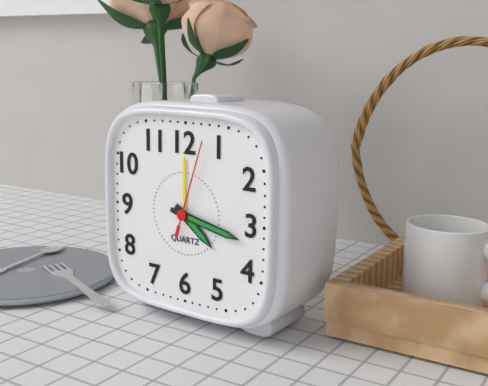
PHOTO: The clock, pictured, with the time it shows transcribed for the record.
4:17:03
